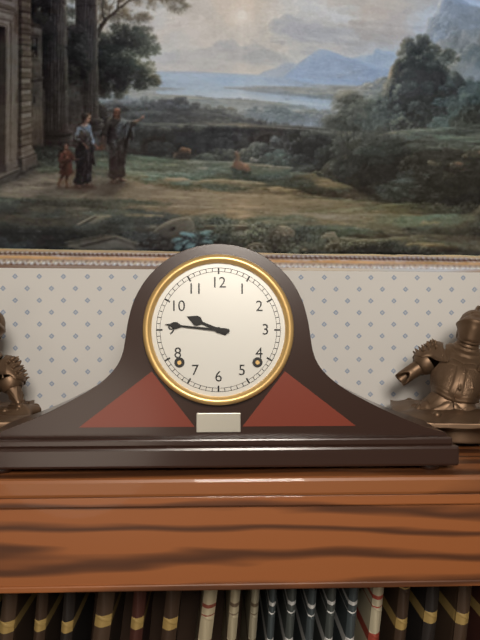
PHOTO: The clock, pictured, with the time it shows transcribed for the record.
9:46
